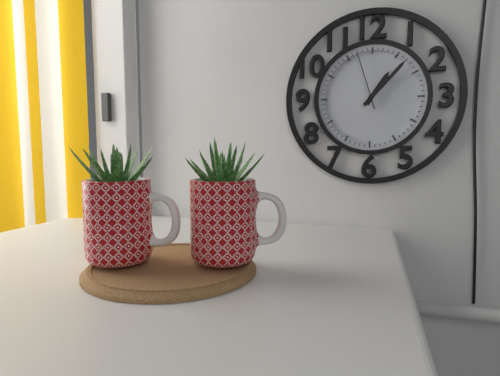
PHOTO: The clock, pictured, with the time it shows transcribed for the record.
1:07:57
